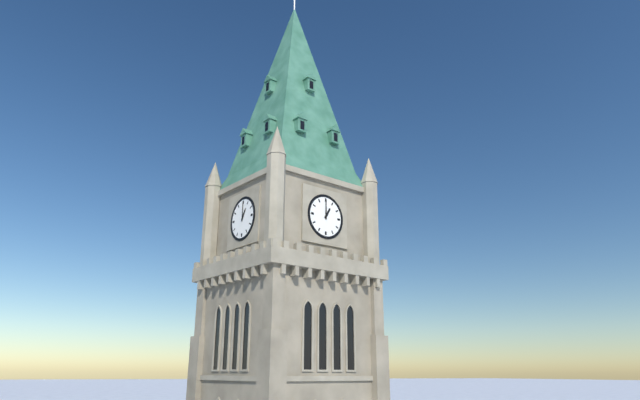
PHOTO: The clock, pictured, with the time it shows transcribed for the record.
1:00
